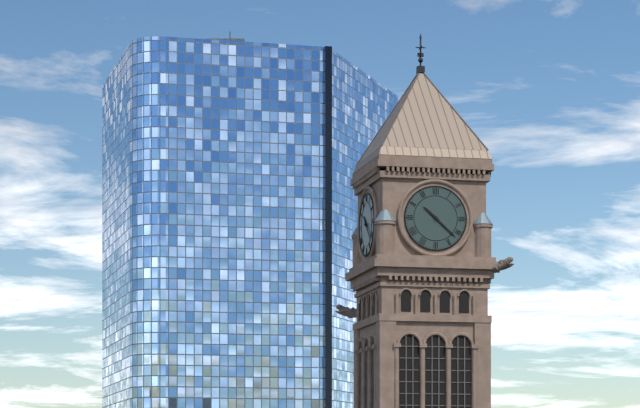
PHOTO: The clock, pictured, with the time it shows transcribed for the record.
10:22
